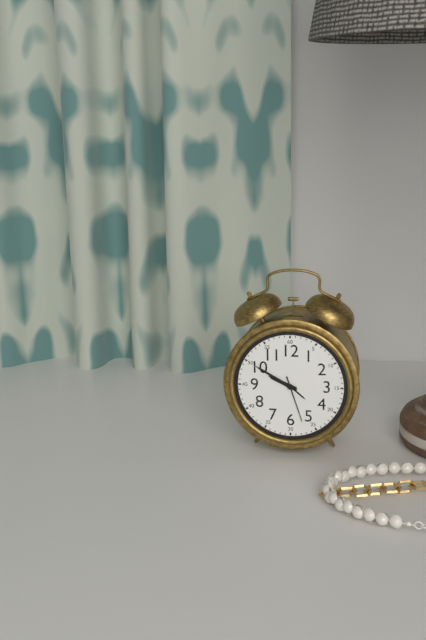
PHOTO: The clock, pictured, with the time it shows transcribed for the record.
9:50
